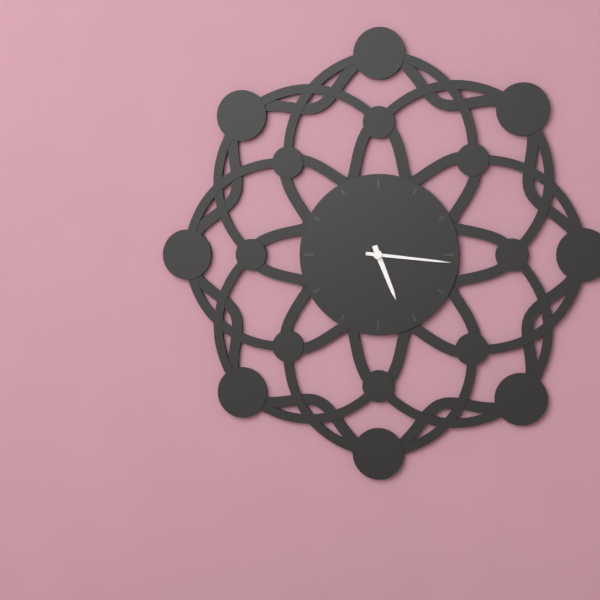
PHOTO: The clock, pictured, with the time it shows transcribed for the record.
5:16
